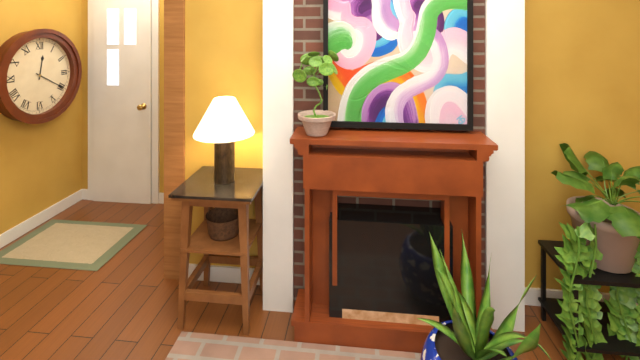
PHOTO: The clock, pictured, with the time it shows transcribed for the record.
12:20
